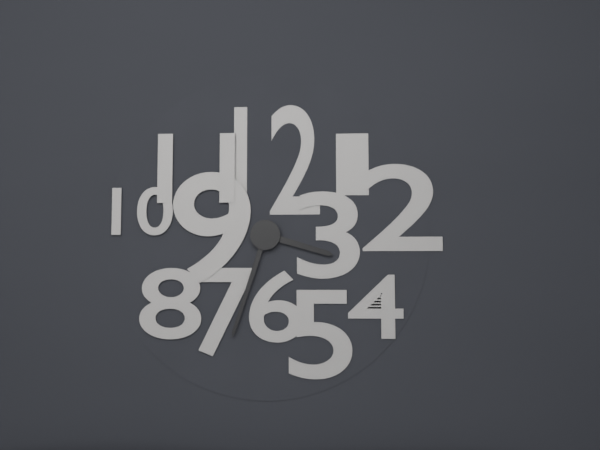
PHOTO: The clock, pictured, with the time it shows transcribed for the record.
3:33
